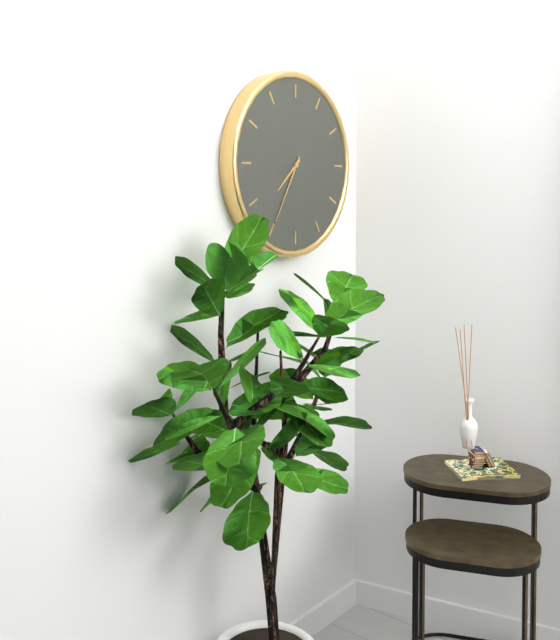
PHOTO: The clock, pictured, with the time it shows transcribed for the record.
7:35
